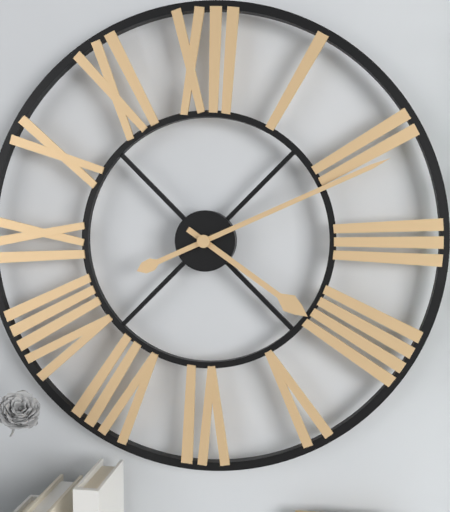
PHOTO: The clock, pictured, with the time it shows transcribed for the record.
4:11
